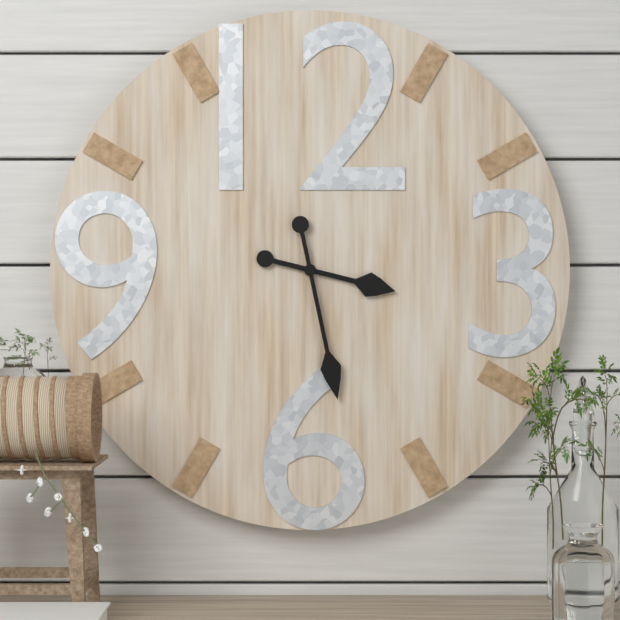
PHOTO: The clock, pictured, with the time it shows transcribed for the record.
3:28
